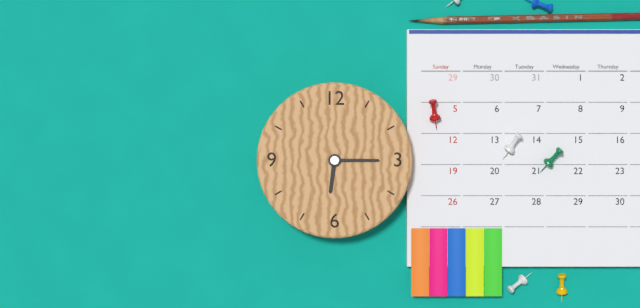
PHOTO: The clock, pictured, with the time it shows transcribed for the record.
6:15
